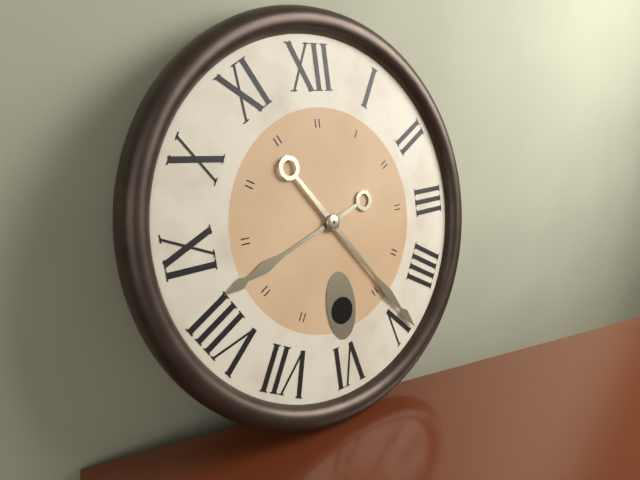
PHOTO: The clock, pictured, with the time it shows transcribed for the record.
8:24
